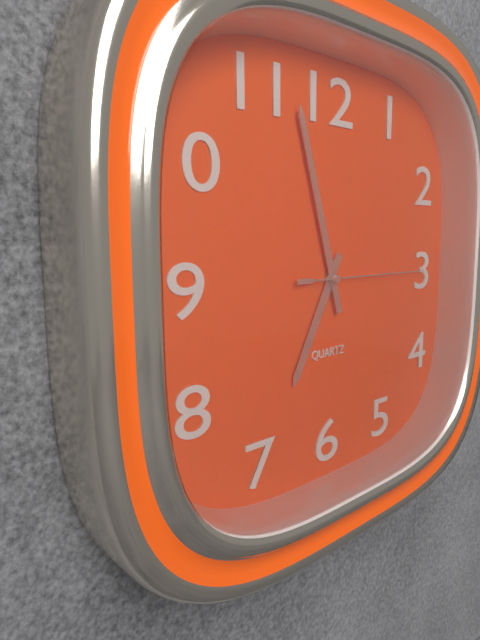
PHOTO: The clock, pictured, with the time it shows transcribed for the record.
6:57:15
